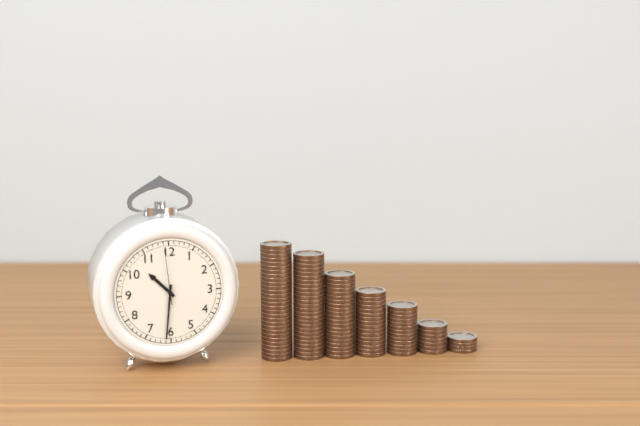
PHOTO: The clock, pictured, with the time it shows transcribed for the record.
10:31:59
